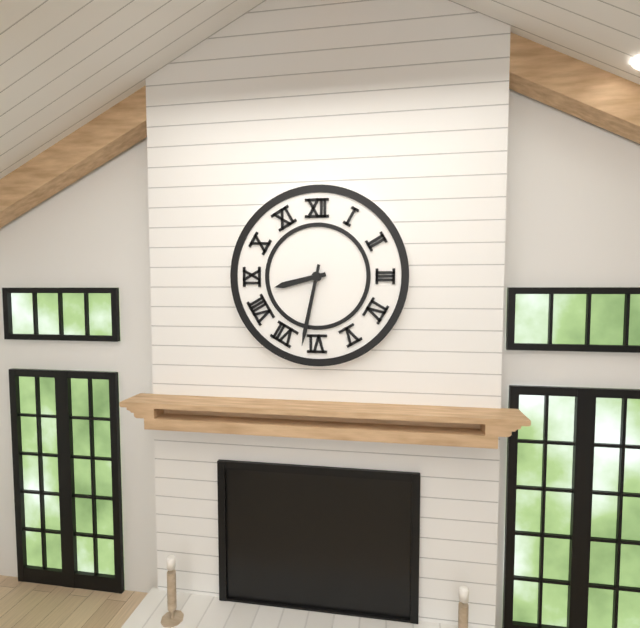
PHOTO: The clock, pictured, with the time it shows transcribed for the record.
8:32
